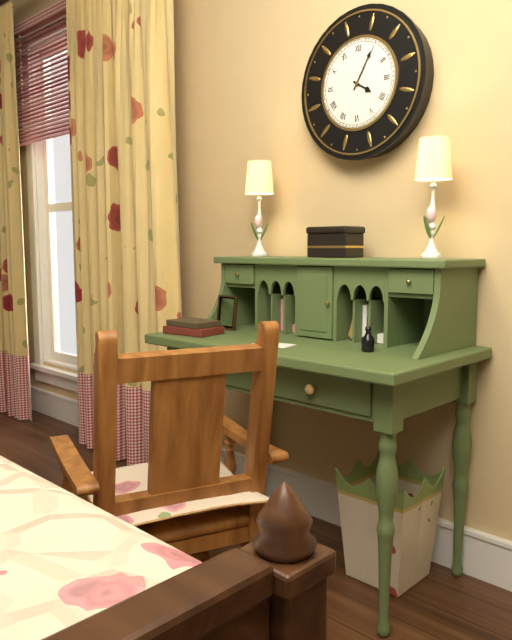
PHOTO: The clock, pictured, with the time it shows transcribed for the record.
4:05
